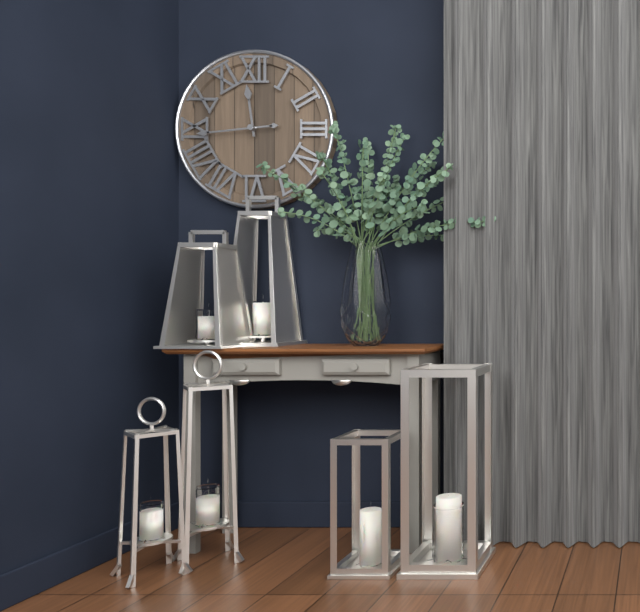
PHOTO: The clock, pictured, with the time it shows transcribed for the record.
11:44
